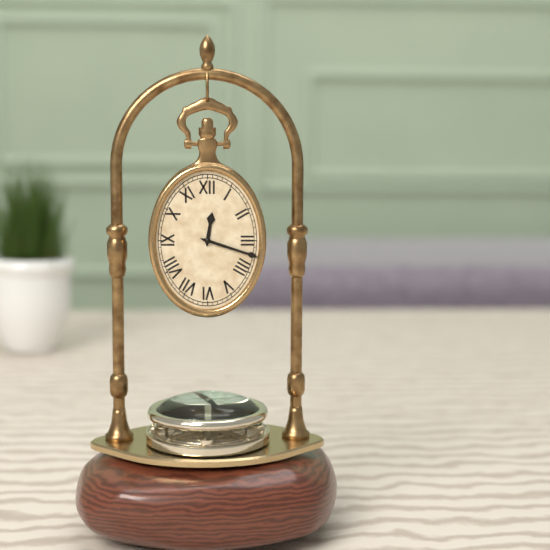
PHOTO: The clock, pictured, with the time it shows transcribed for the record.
12:18
